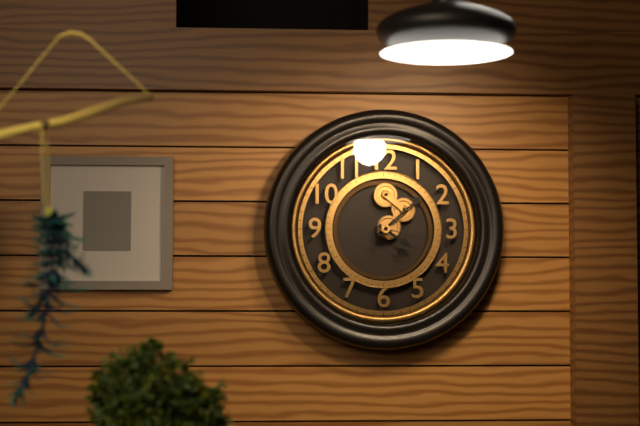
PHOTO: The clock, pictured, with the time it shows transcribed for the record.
4:08:17
